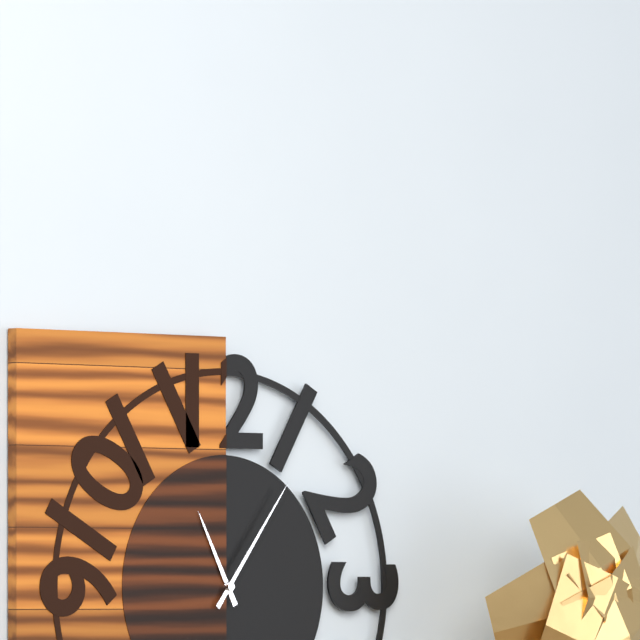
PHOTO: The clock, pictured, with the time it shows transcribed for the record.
11:06
